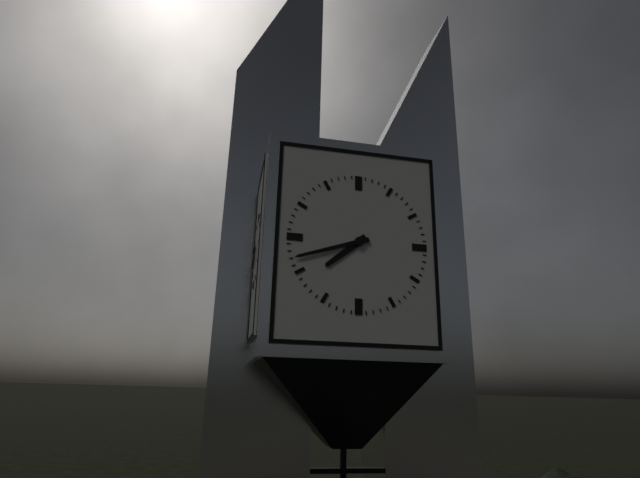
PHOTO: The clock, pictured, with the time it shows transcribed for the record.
7:42
